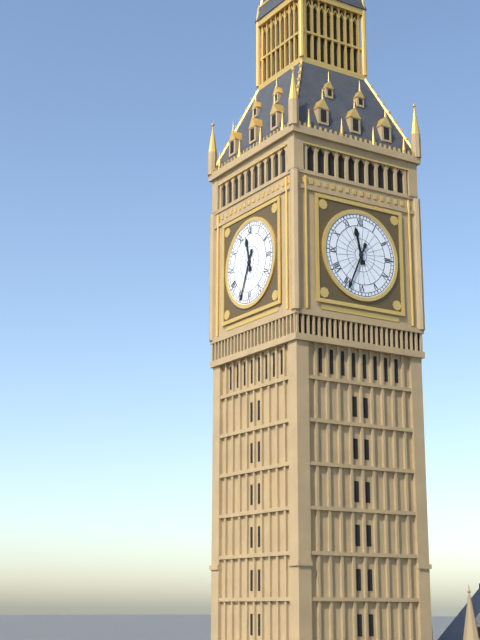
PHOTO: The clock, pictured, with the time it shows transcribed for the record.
11:34
